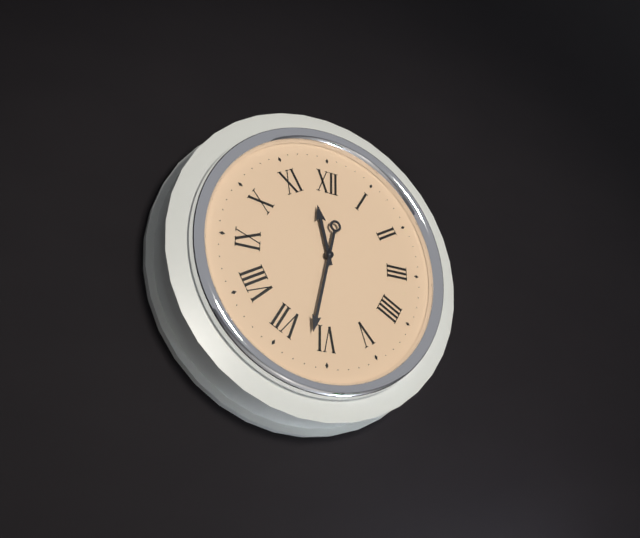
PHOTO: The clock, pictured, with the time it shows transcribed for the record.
11:32
